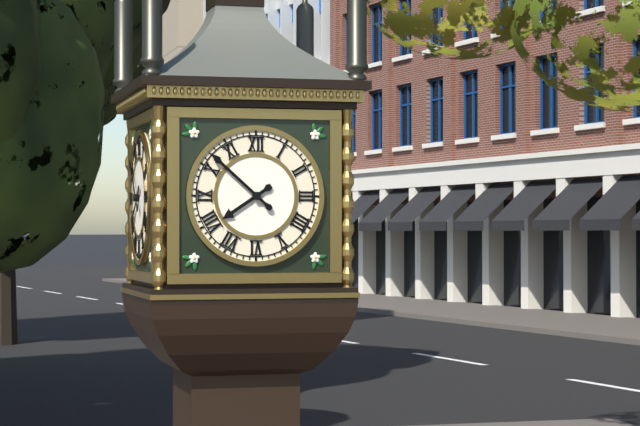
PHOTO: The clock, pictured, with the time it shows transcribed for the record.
7:52
